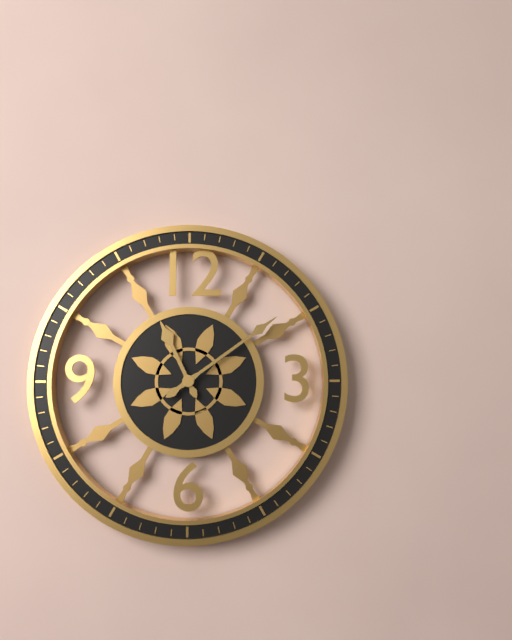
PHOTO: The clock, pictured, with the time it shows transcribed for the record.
11:09
